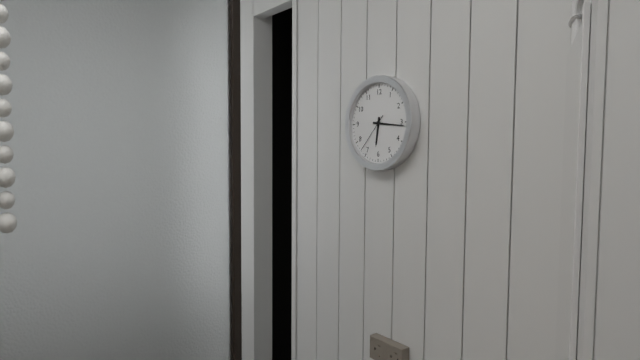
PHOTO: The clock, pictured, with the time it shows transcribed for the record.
6:16
